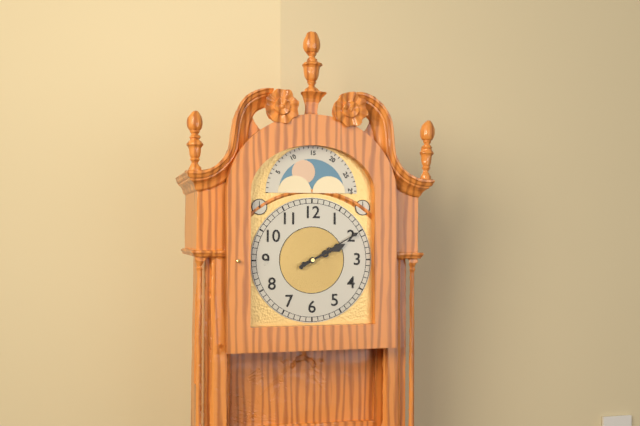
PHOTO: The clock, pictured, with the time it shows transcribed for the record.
2:10
